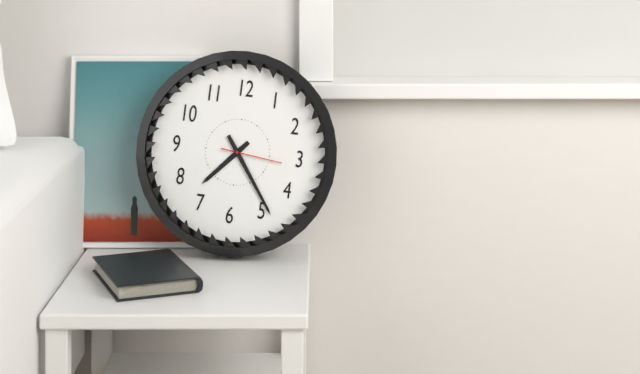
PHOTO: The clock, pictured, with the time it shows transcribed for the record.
7:24:16
